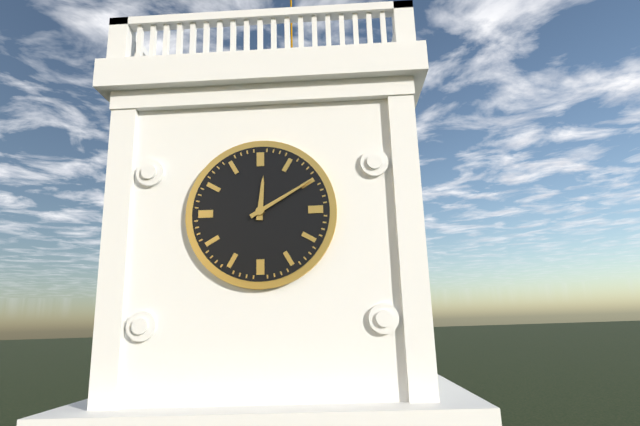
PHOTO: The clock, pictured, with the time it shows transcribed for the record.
12:10
